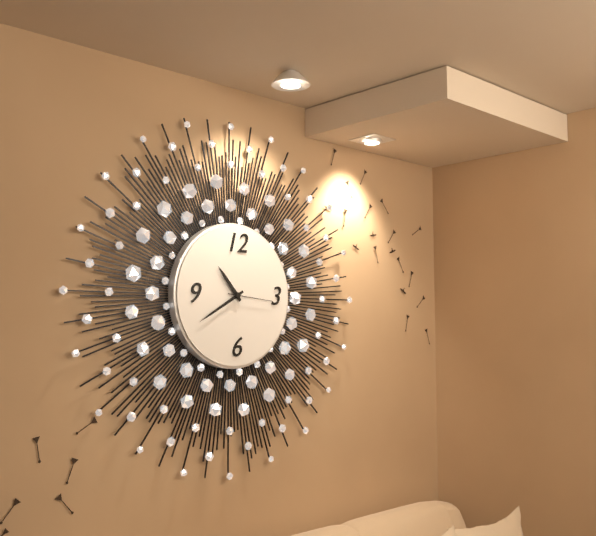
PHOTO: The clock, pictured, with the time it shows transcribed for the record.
10:40
